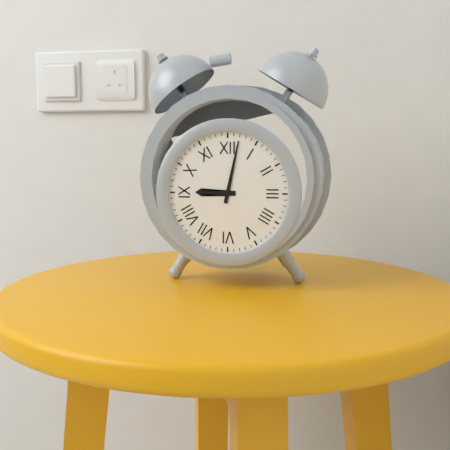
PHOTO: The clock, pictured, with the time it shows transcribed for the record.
9:02
